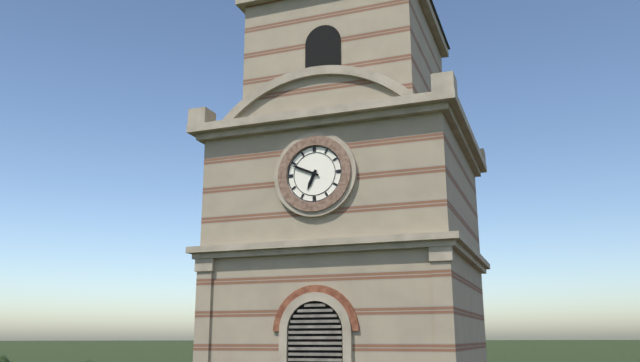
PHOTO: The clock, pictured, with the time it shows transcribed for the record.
6:49
